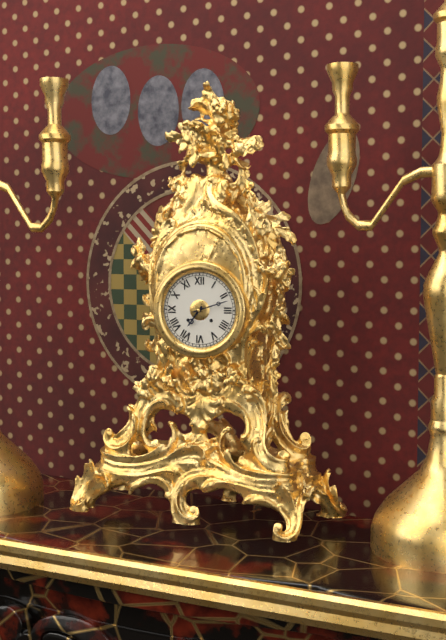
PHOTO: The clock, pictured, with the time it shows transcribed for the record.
7:12
